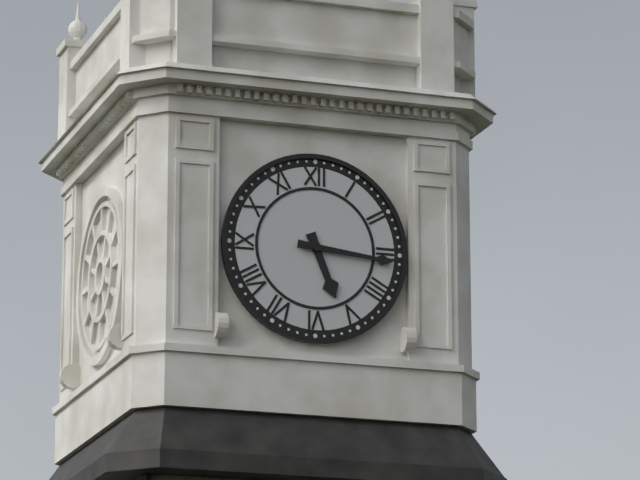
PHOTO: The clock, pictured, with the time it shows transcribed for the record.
5:16
